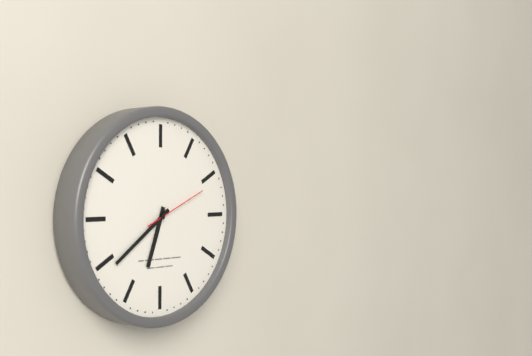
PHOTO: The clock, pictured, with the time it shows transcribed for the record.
6:39:11
